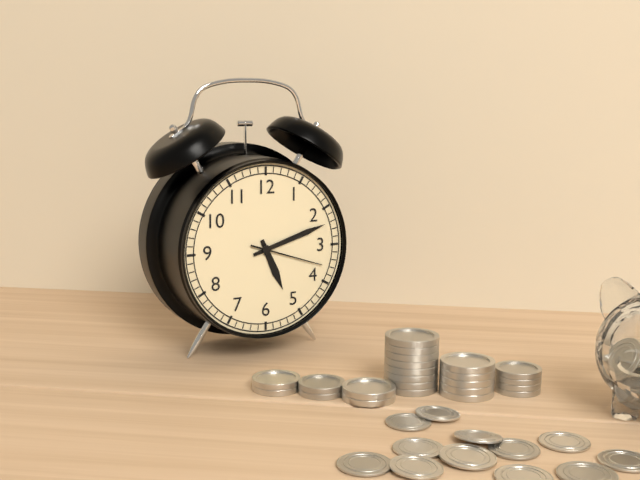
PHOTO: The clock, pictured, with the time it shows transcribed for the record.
5:12:18
